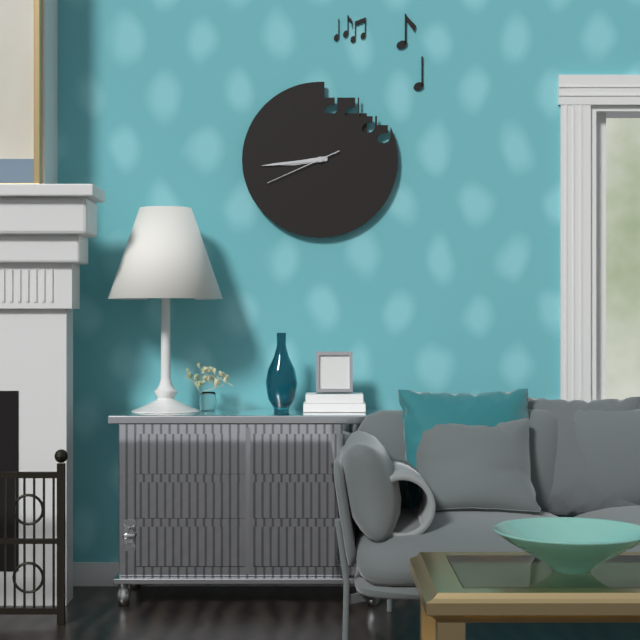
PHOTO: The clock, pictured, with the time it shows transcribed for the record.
8:44:41
